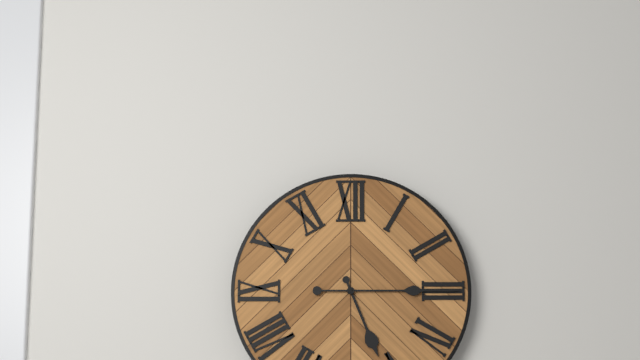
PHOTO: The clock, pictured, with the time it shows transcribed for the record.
5:15
